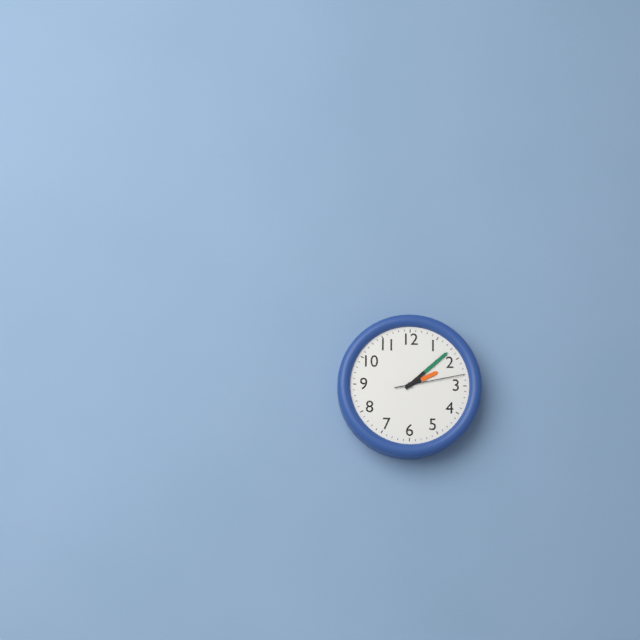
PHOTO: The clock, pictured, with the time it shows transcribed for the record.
2:08:13
